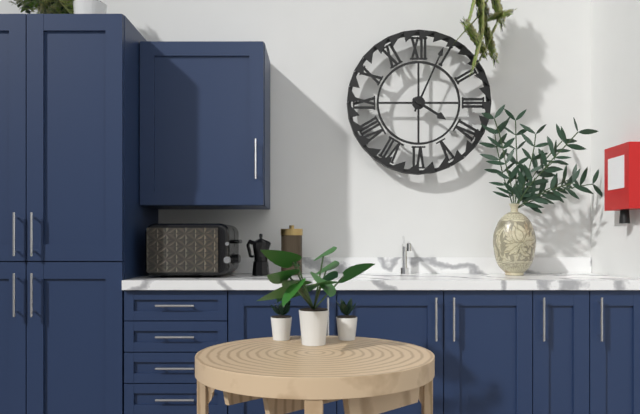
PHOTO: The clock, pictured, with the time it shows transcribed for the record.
4:04
